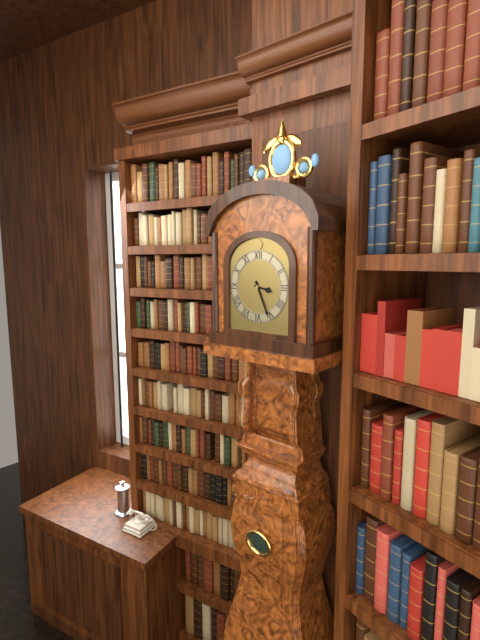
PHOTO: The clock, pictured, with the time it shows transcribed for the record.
3:26
